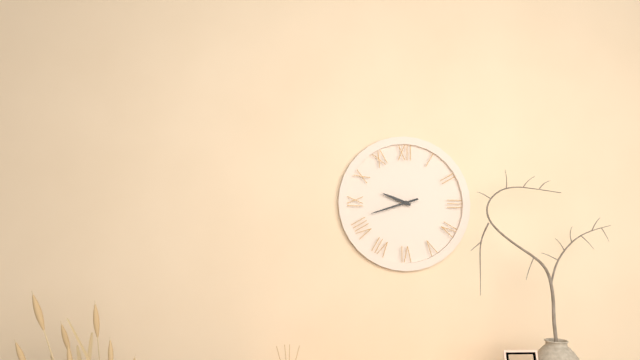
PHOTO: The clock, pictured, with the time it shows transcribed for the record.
9:42
